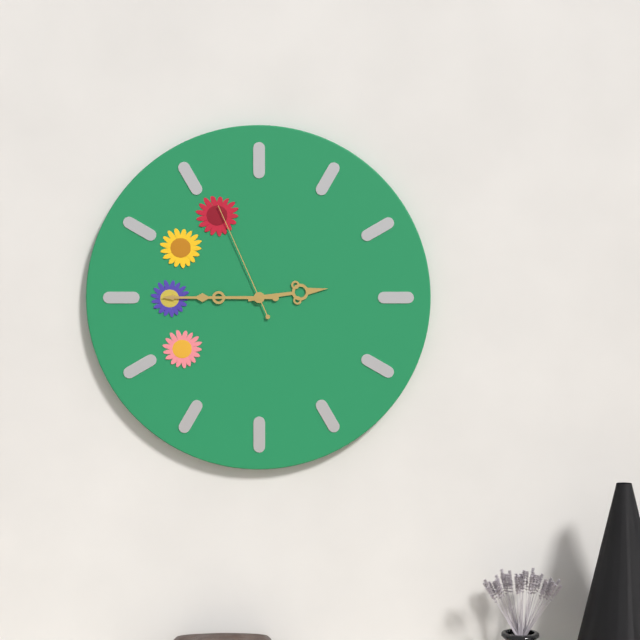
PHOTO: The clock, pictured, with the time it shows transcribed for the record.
2:45:56
